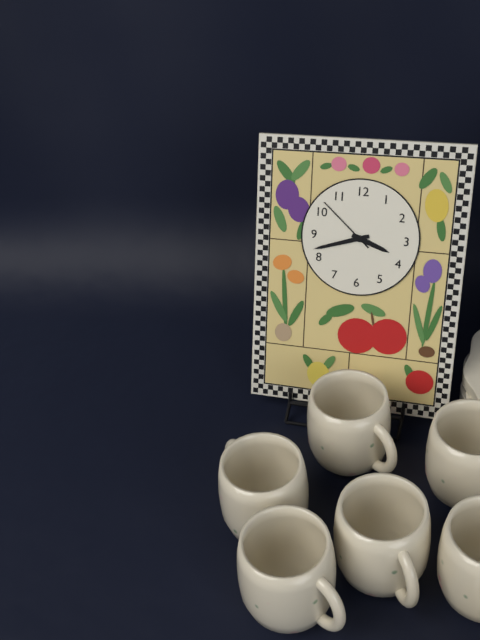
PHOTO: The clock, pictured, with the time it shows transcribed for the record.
3:42:52
